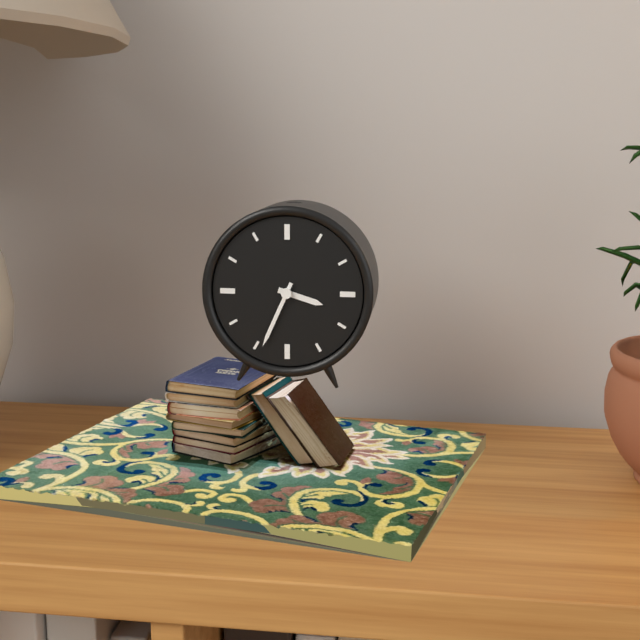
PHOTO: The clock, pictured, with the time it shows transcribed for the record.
3:34
